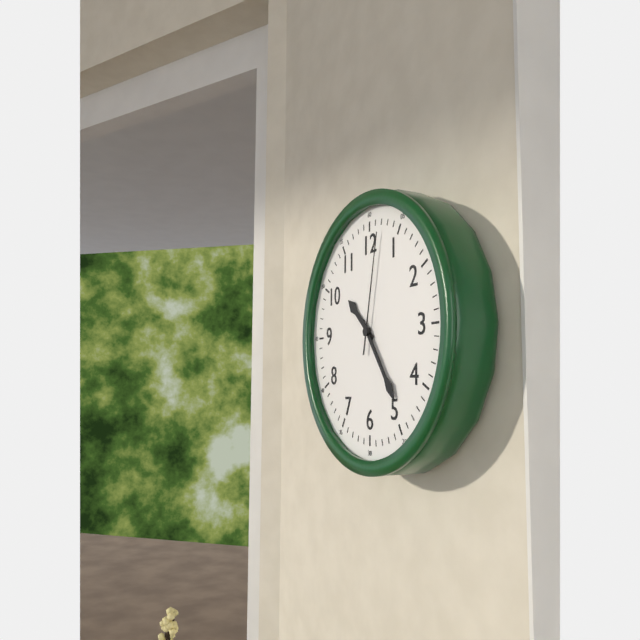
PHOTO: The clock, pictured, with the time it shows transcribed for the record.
10:24:02
